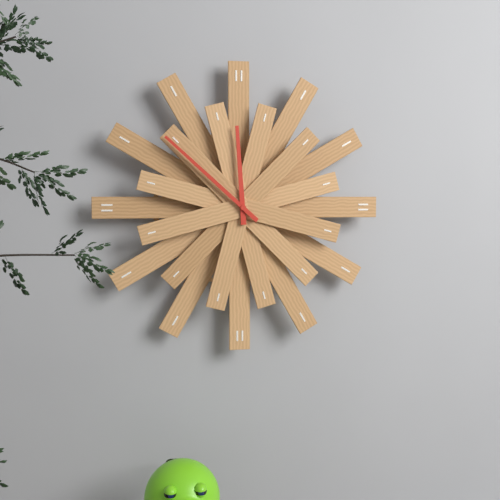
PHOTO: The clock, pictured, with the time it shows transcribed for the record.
11:52
